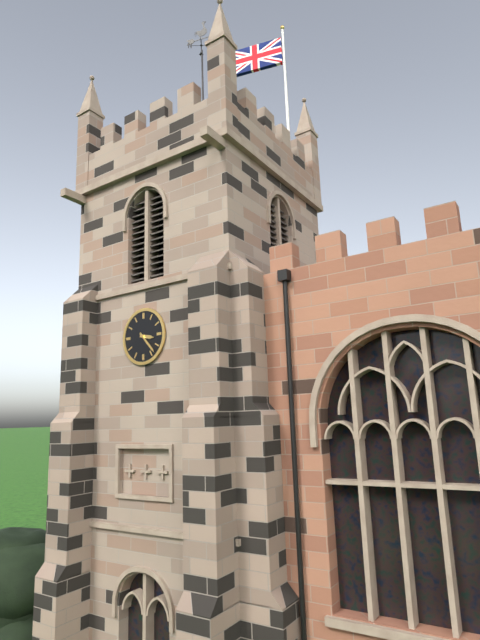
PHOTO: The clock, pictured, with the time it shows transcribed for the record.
3:23
